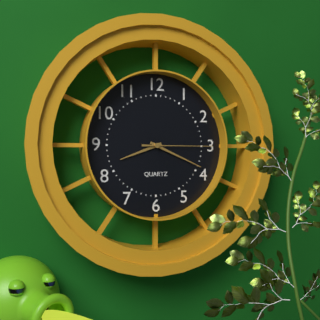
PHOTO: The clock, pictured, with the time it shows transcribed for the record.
8:19:15
